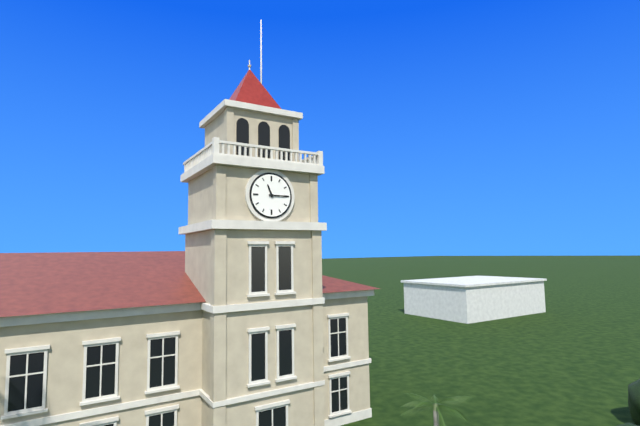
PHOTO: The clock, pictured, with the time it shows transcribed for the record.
11:15
